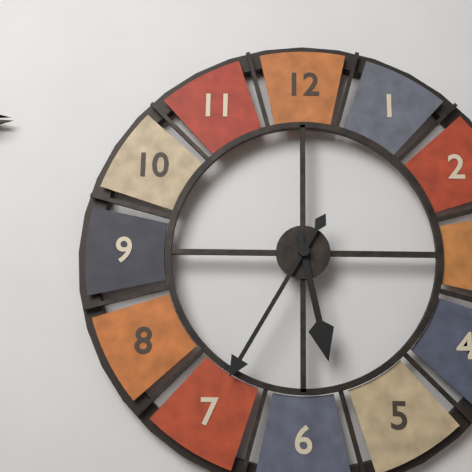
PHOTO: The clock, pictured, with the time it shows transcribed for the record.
5:35
